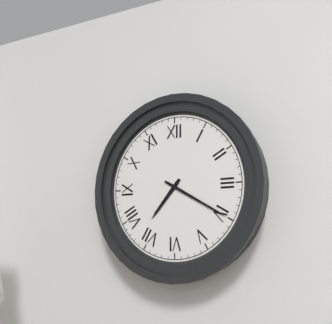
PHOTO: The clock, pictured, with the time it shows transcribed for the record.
7:20
